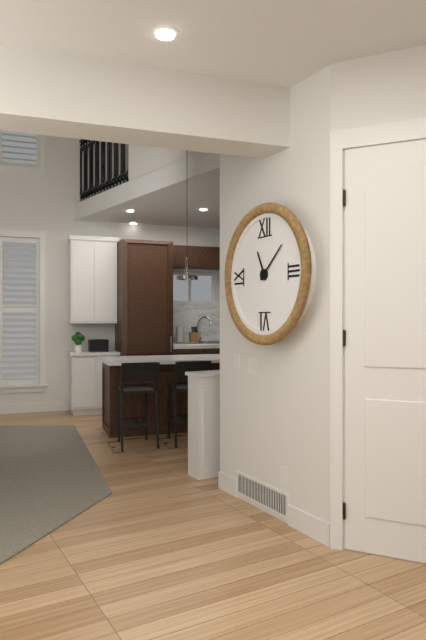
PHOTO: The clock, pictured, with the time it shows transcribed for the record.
11:08
